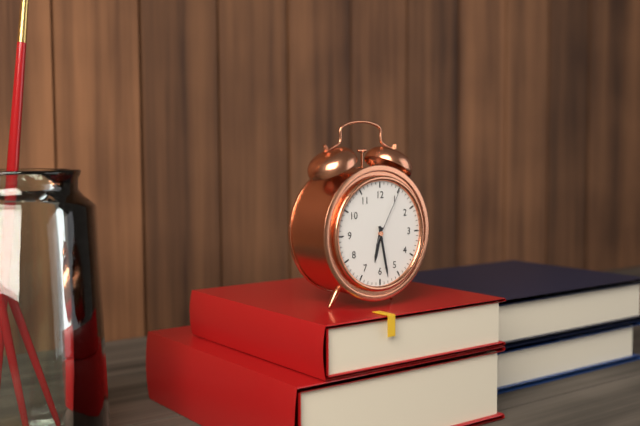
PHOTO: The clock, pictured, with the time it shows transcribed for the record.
6:28:05
